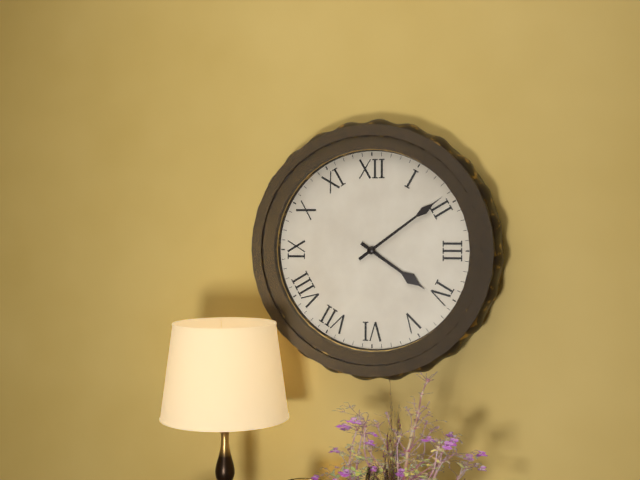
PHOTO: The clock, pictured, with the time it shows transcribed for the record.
4:09
